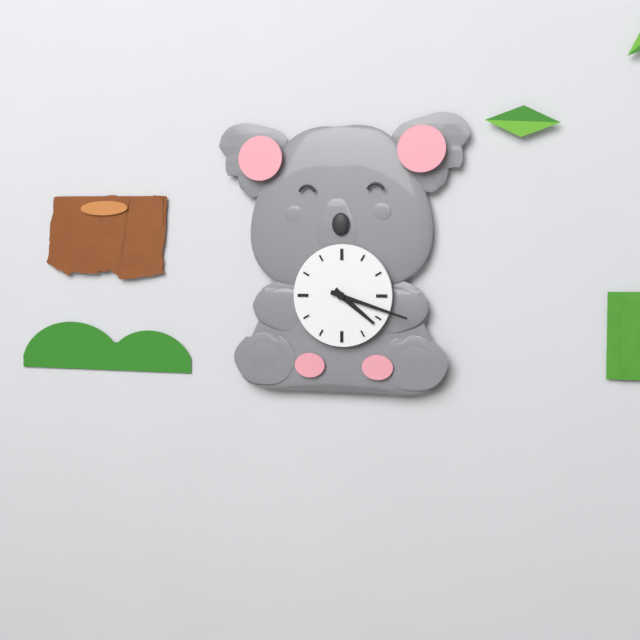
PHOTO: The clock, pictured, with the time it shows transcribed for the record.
4:18
